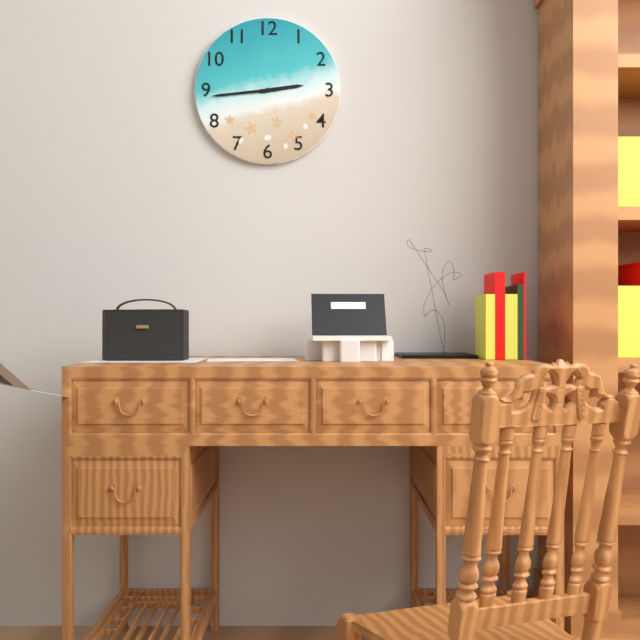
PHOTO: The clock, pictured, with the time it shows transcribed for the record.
2:44
